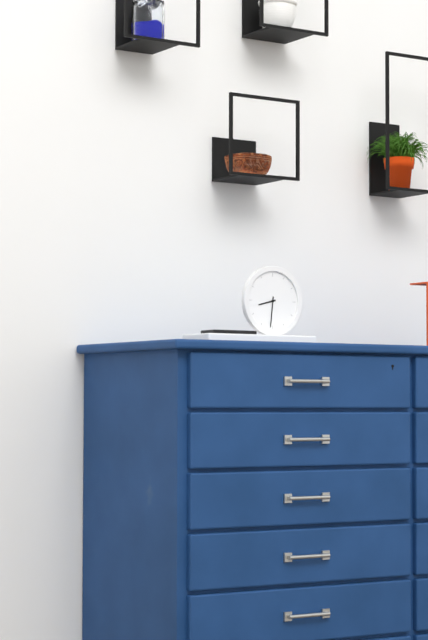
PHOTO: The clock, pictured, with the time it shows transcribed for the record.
8:31
